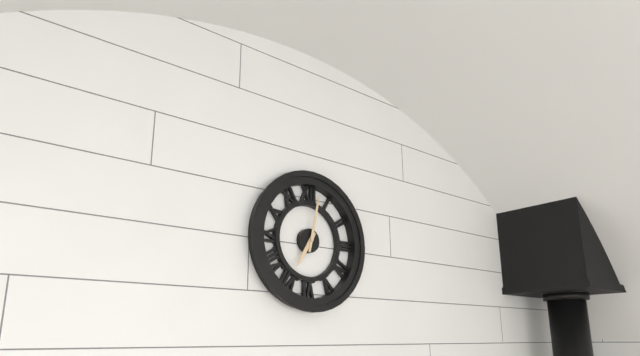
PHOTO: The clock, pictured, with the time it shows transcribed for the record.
7:02
